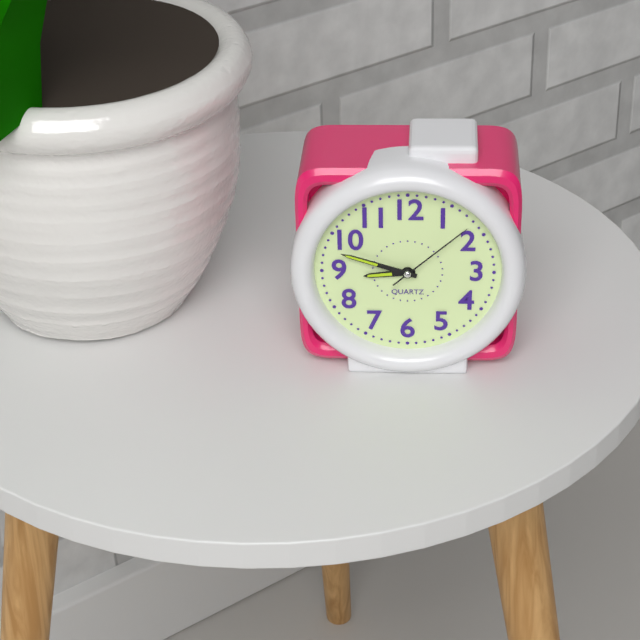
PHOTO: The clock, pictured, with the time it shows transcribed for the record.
8:48:08
